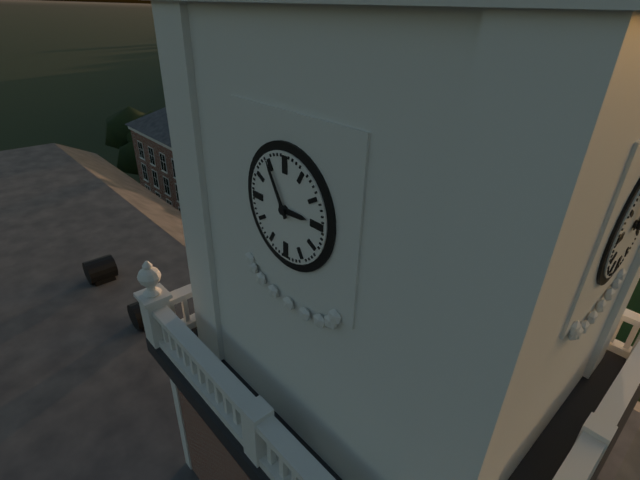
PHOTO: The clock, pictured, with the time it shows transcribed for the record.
2:55
